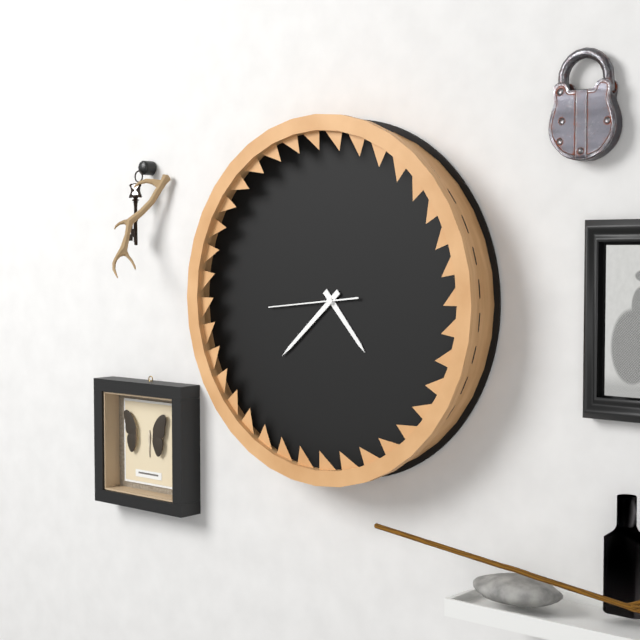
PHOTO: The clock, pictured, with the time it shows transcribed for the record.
4:38:44
